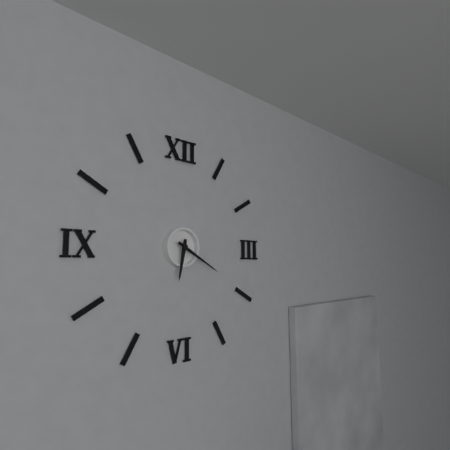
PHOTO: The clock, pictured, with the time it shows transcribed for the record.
6:20
